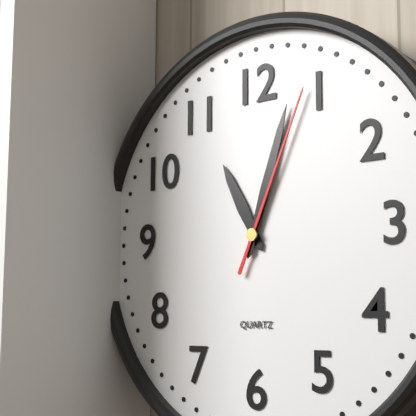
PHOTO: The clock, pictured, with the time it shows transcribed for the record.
11:03:04
